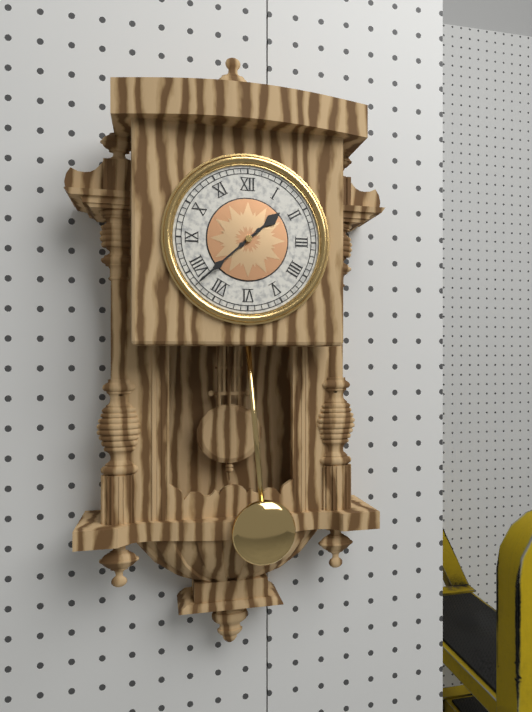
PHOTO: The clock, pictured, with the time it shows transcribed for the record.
1:38
